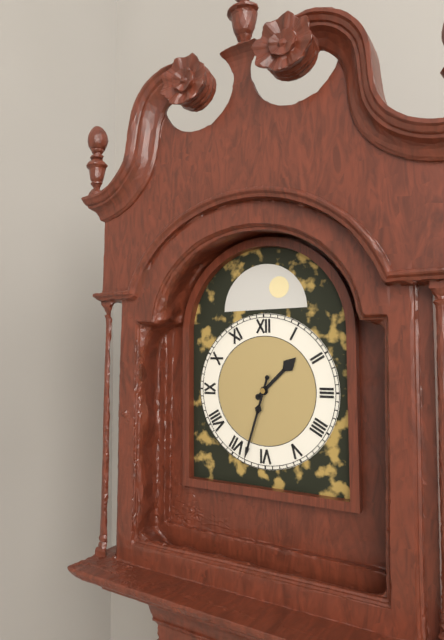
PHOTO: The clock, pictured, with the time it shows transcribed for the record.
1:33
